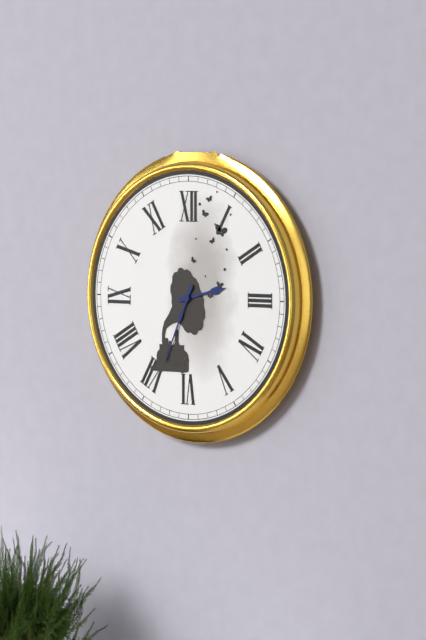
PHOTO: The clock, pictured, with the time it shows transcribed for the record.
2:34
